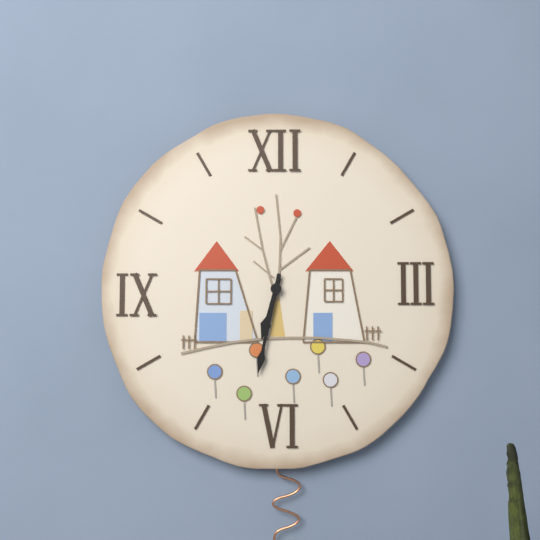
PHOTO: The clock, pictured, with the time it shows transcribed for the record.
6:32
